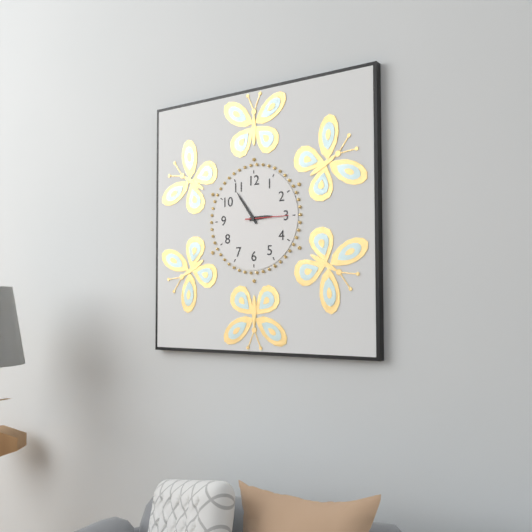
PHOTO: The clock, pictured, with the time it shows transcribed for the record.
2:54
